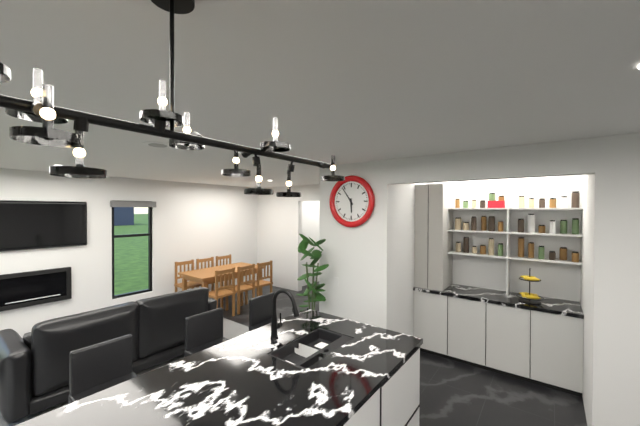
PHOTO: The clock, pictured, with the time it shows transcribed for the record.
5:54
